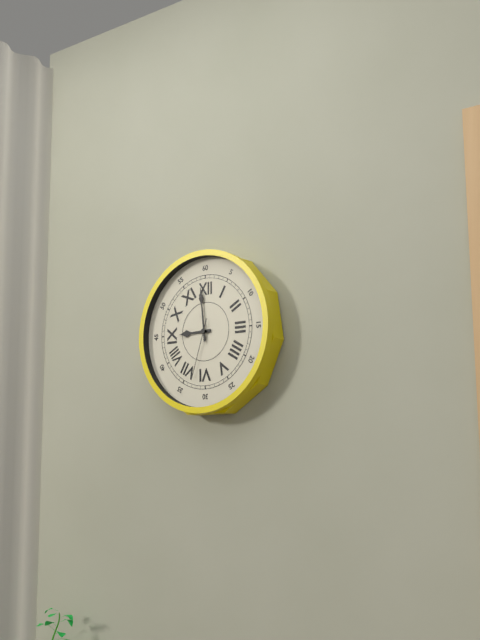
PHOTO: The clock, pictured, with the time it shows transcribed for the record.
8:59:33
